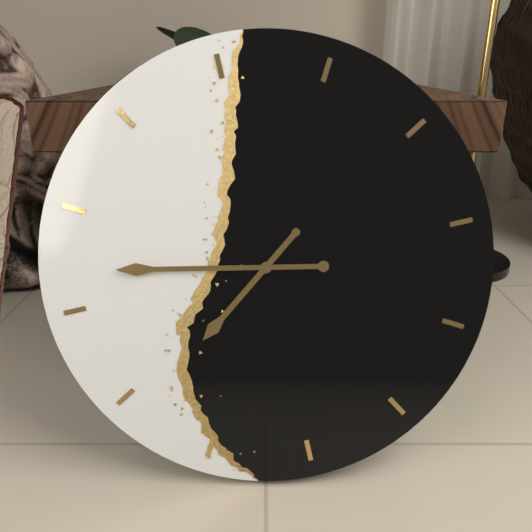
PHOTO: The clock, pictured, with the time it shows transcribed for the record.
7:47
